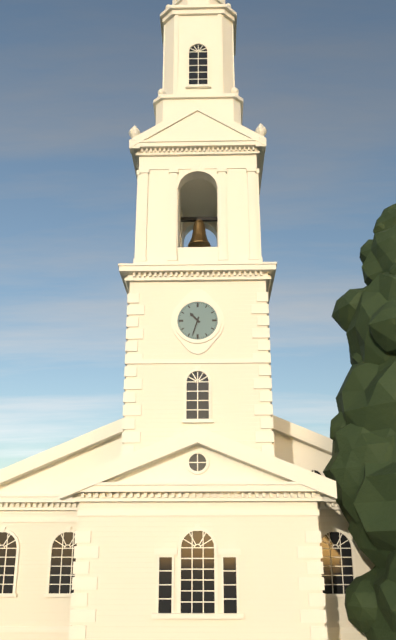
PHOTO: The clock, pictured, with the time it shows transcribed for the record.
10:33
